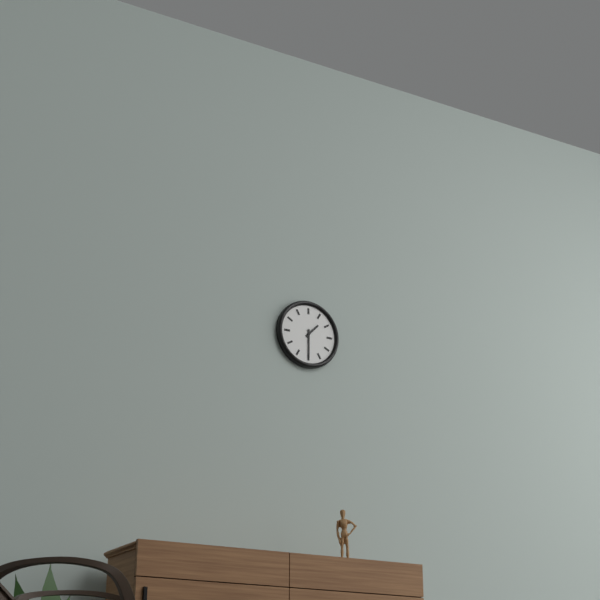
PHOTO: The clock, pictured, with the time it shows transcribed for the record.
1:30
